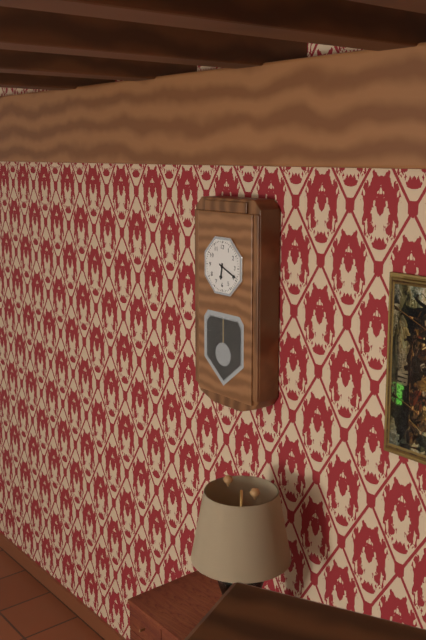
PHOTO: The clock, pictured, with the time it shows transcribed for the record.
6:19
